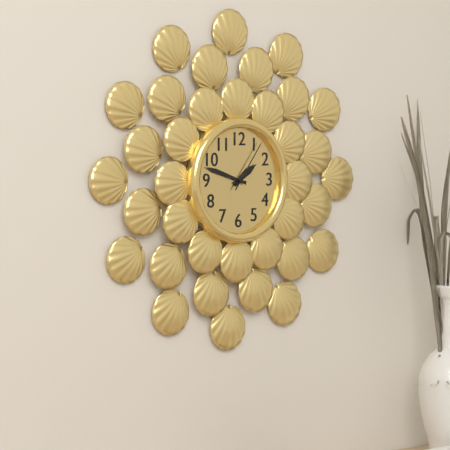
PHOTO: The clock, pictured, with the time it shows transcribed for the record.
1:48:06
